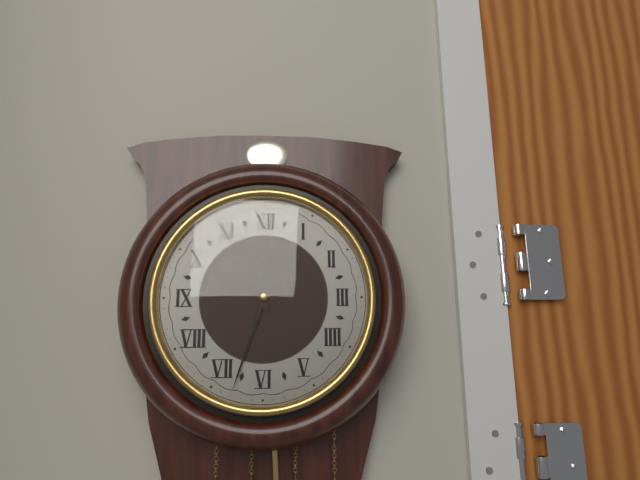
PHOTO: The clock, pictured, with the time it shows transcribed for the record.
11:33
